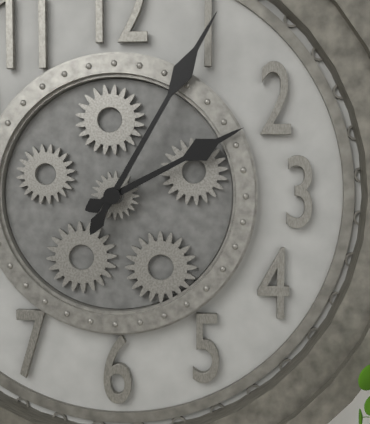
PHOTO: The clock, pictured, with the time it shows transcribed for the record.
2:05
